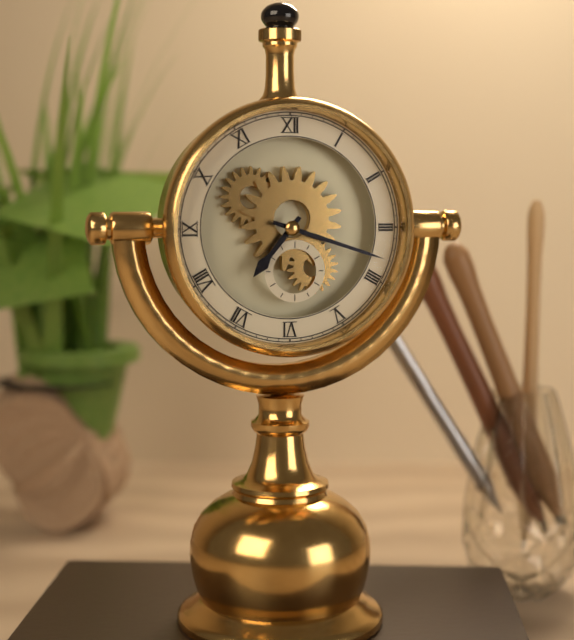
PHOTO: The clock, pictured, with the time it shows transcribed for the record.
7:18
